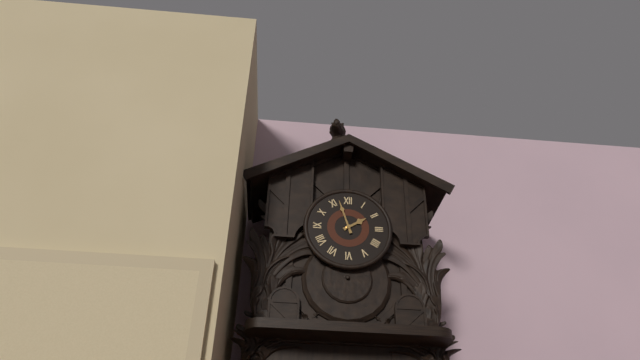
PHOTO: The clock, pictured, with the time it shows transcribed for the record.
1:57
